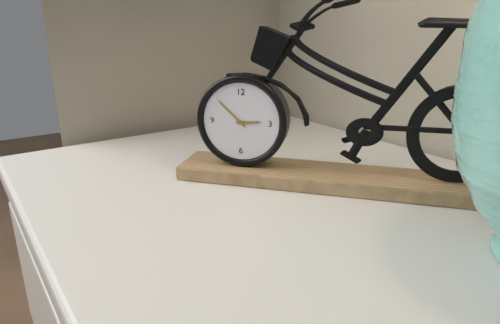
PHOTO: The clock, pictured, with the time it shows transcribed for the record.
2:52
